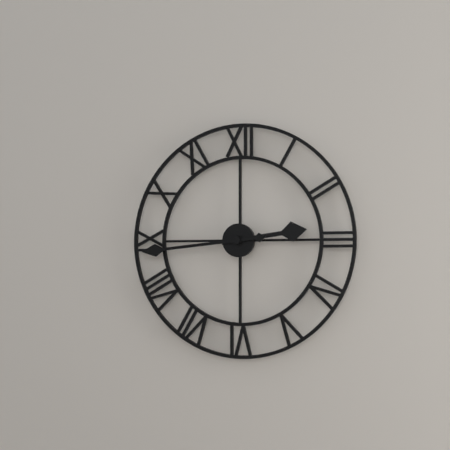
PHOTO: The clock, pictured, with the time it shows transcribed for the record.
2:44
